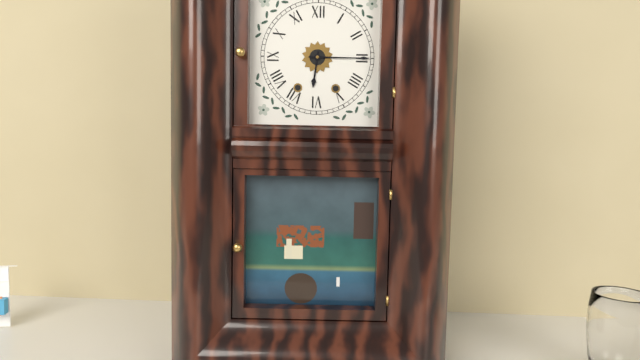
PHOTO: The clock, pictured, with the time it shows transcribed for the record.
6:15
